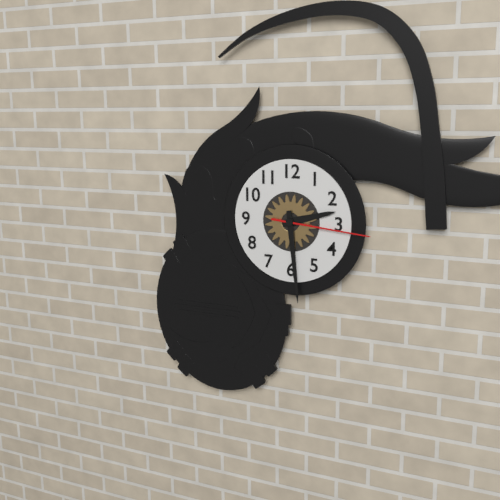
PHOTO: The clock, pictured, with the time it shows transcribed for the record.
2:29:16
